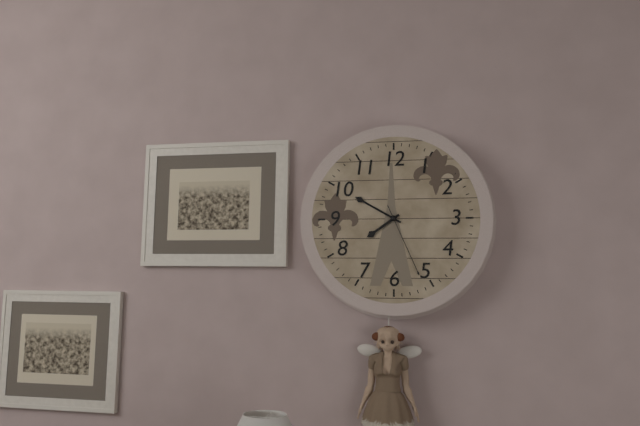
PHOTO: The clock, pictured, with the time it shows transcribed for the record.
7:50:26
